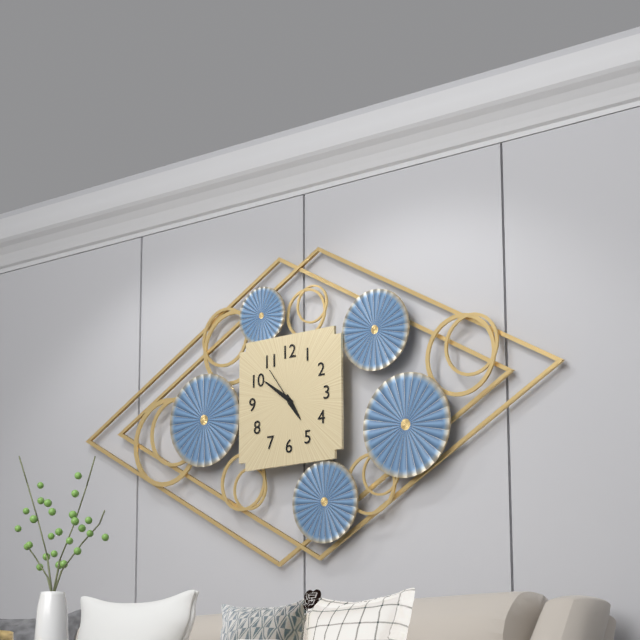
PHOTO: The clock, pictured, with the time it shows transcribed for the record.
4:51
